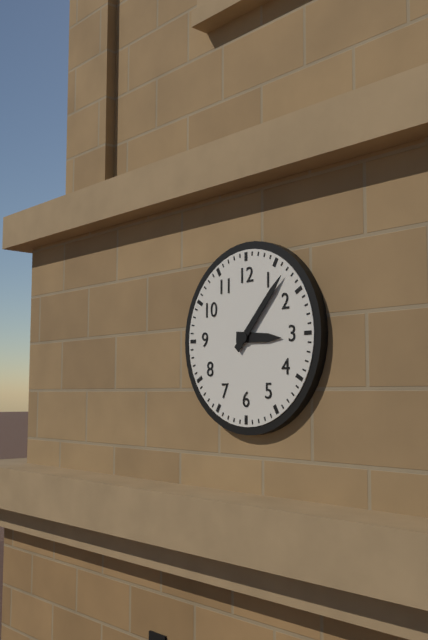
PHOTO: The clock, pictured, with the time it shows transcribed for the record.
3:07
